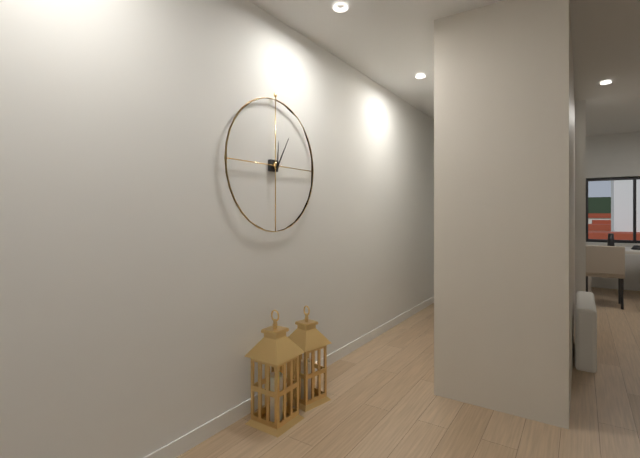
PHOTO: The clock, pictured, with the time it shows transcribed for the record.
12:05
